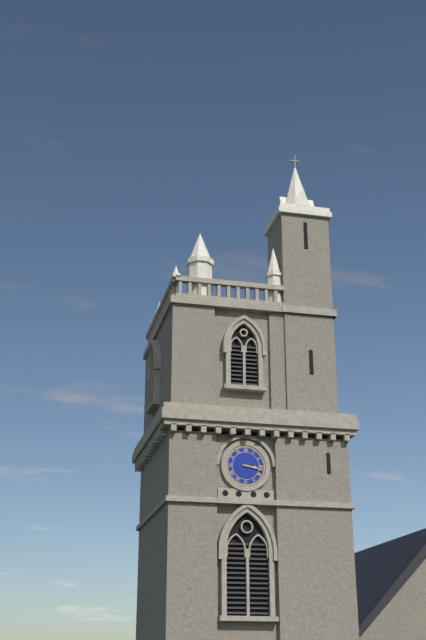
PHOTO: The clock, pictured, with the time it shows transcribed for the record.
3:17
